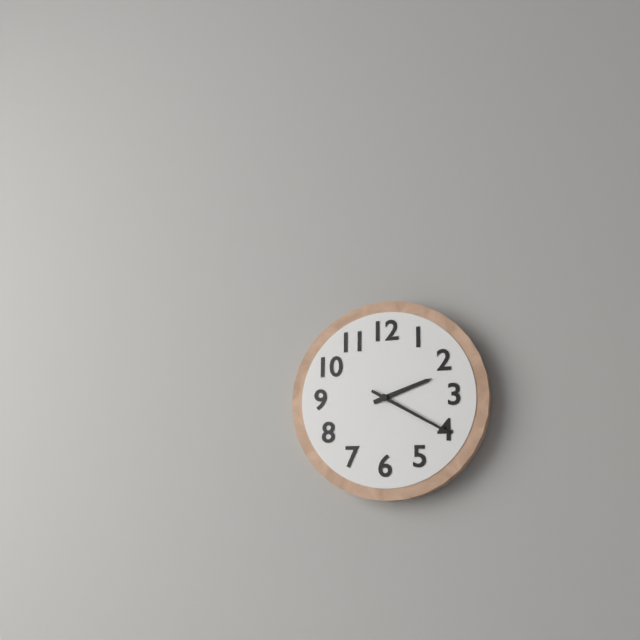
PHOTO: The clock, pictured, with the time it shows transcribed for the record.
2:20
